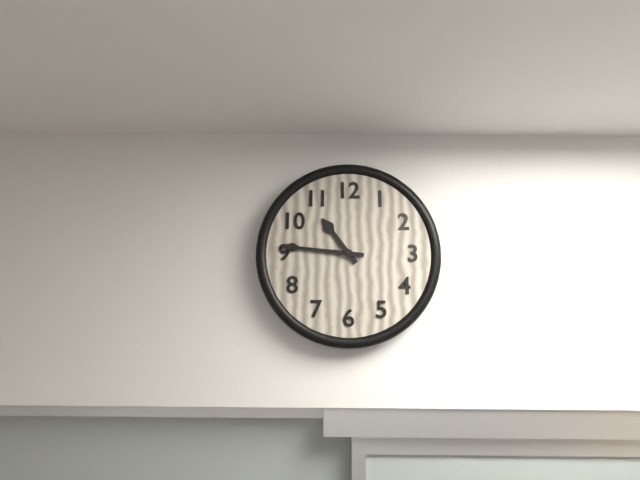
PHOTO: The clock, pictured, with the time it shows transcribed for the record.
10:46
